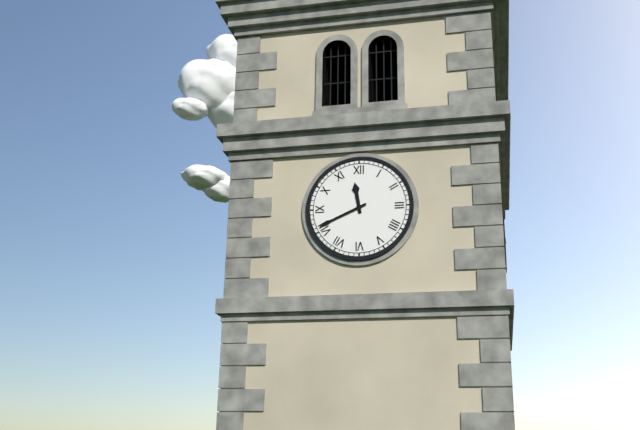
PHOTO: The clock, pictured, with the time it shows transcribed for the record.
11:41
